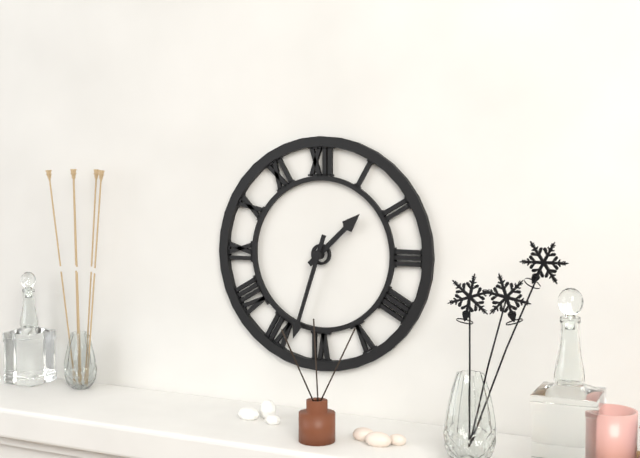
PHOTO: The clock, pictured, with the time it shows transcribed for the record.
1:33
